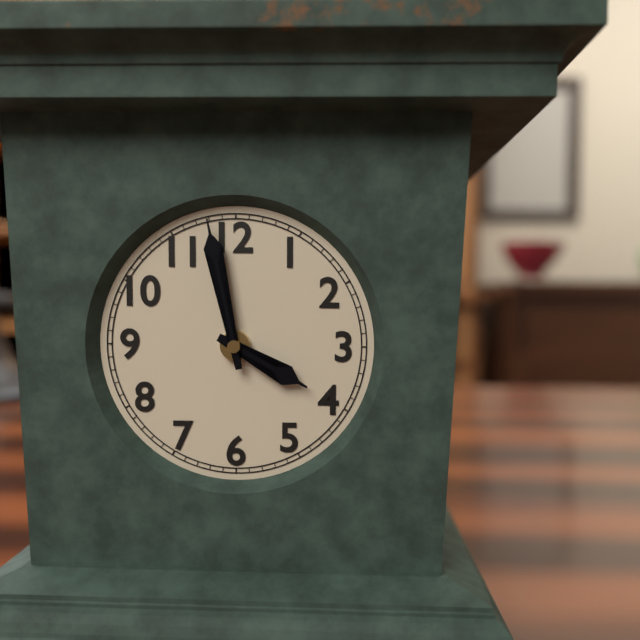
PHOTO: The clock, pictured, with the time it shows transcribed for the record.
3:58
